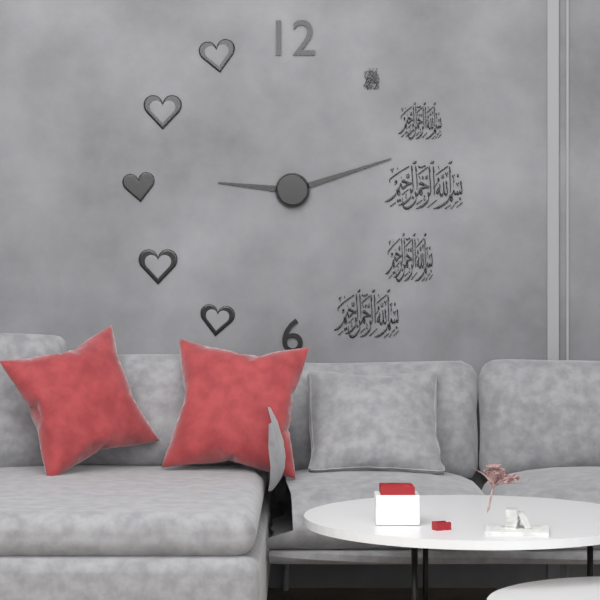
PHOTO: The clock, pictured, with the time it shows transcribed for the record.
9:12
